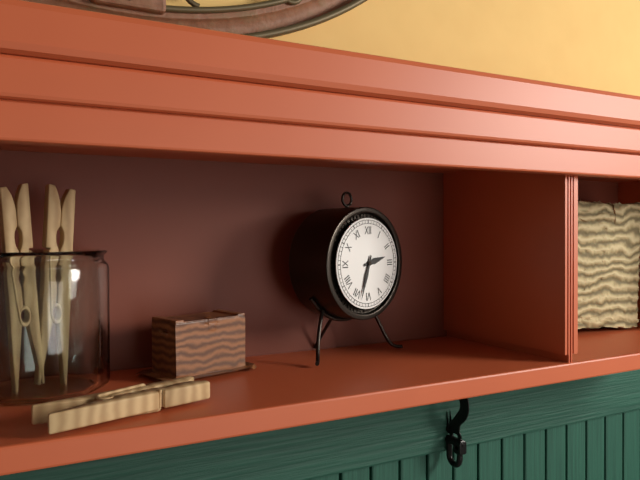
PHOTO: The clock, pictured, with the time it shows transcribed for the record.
2:33
